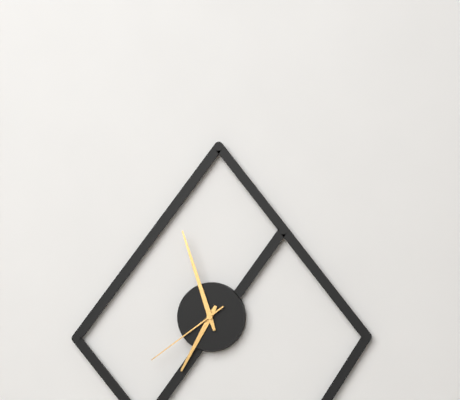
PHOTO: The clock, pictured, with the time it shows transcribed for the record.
6:57:39
